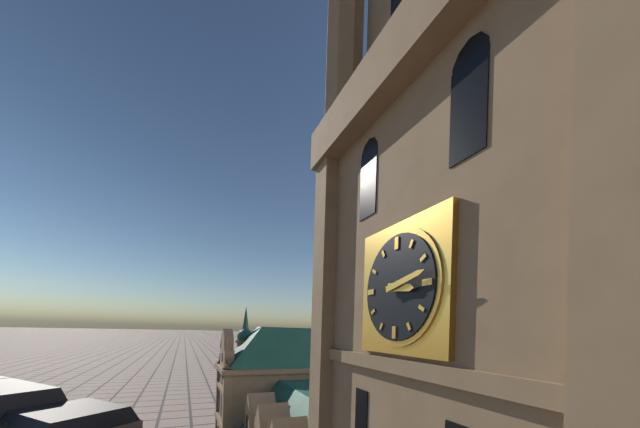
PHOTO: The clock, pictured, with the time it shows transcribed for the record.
3:13
